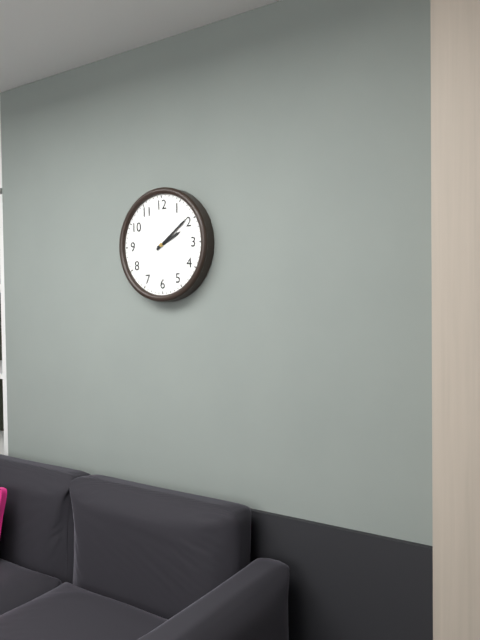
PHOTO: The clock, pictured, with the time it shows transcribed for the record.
2:09
